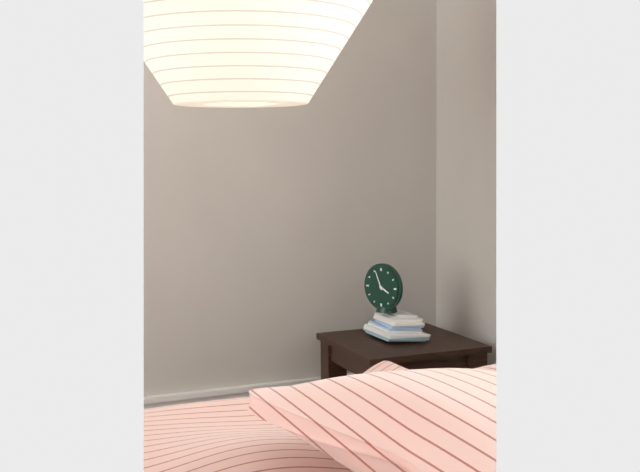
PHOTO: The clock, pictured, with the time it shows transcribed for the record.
3:56
